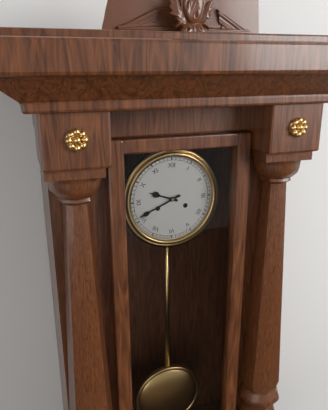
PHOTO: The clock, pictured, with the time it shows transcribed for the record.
9:41
